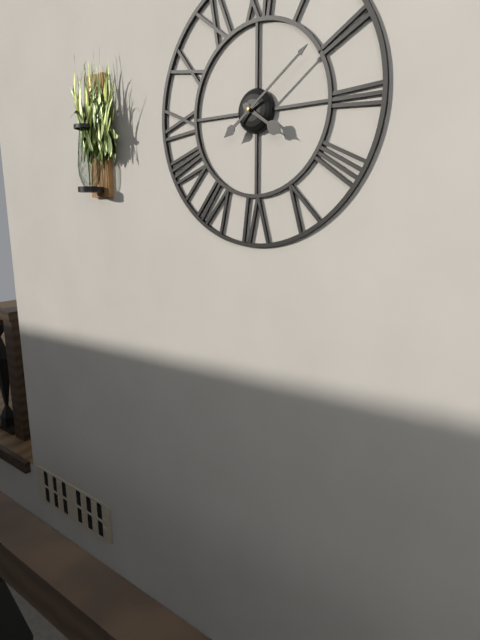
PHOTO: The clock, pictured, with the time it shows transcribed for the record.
4:09
